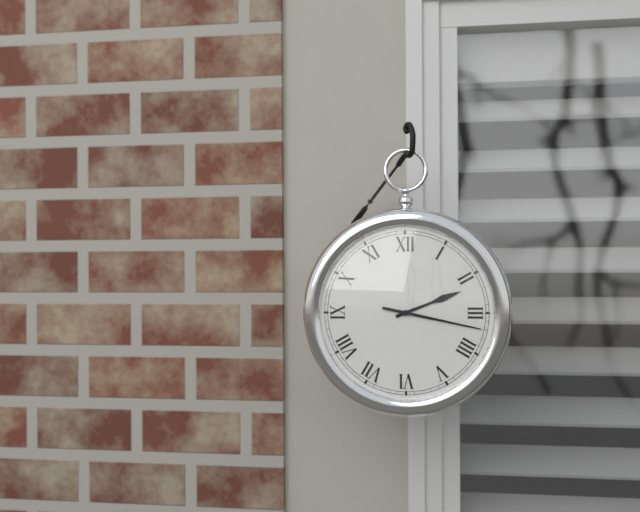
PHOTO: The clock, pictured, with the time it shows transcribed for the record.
2:17
